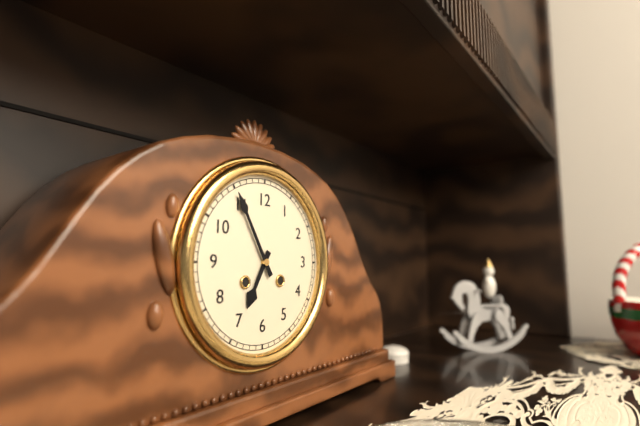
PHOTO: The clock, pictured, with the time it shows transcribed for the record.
6:55
